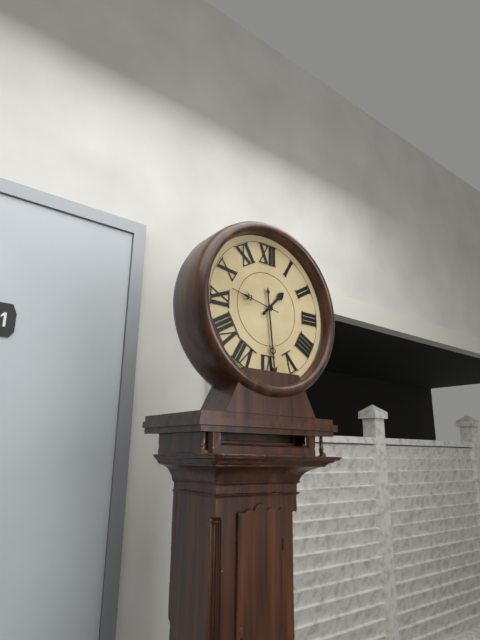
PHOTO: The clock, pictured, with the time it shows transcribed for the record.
1:29
